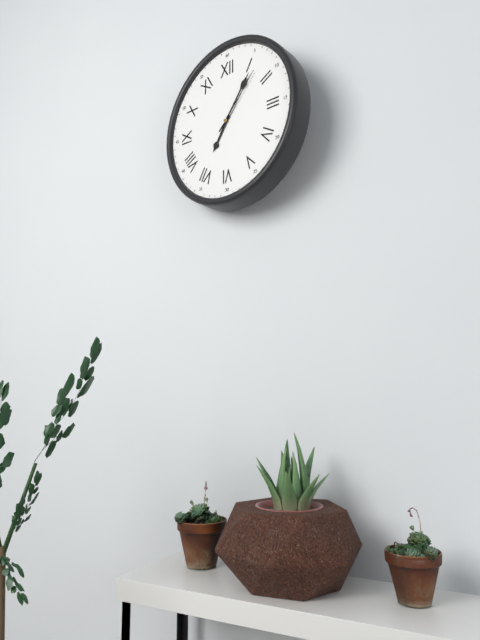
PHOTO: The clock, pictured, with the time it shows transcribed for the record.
7:06:07
